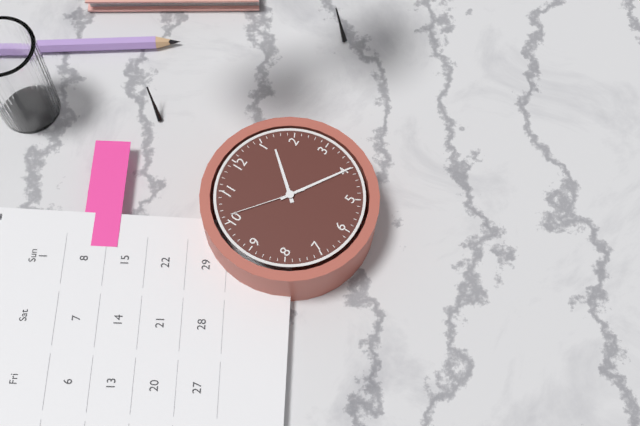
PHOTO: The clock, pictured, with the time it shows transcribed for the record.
1:20:51
